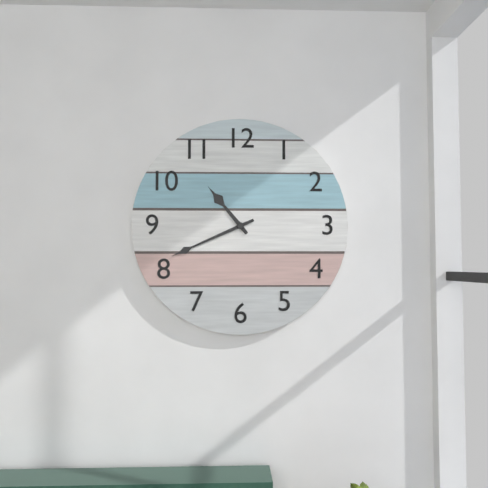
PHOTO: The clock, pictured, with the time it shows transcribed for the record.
10:41
